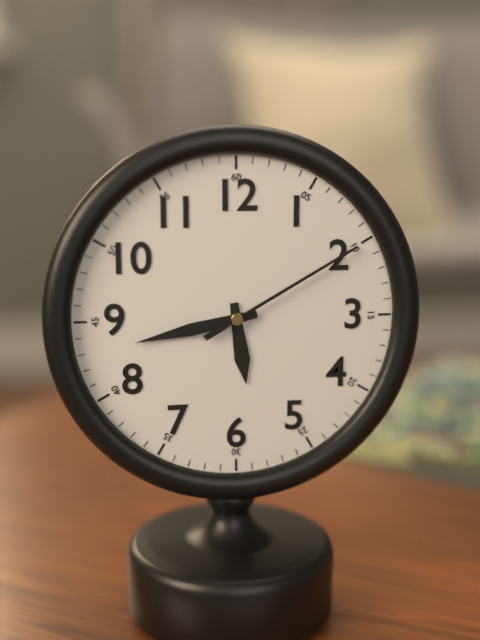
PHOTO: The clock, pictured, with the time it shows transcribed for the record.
5:43:10
